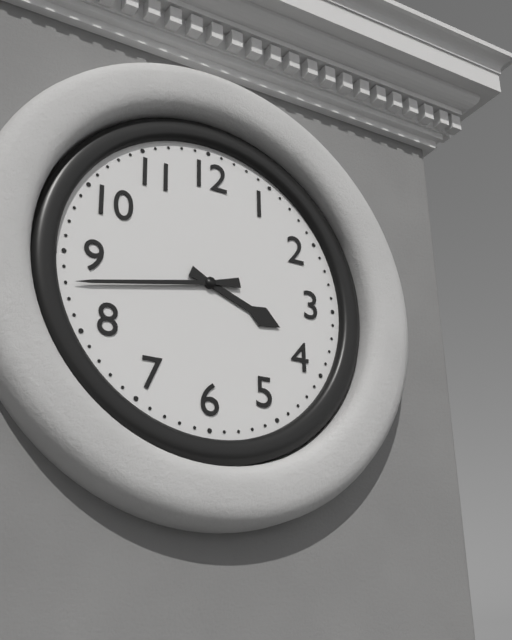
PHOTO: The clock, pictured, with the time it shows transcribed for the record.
3:43
